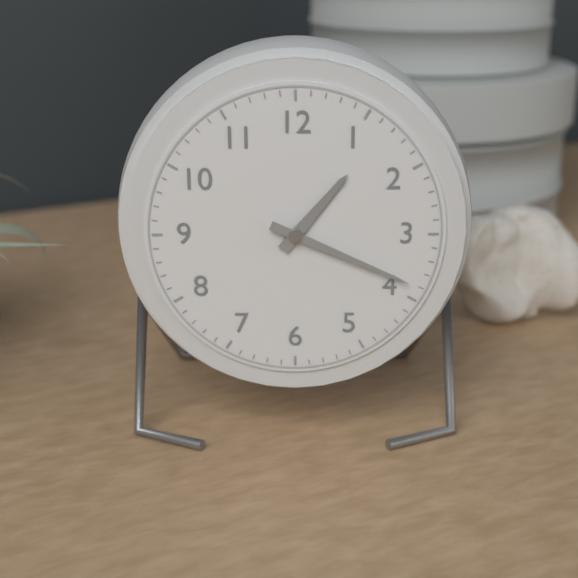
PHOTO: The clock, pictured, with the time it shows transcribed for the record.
1:19
